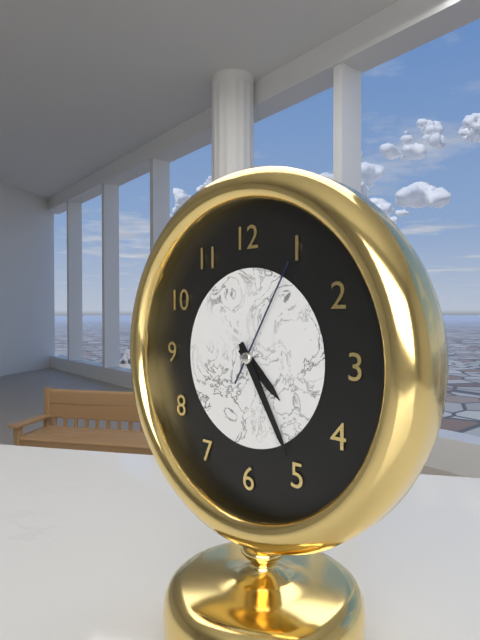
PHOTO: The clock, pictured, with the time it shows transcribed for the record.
4:25:05
